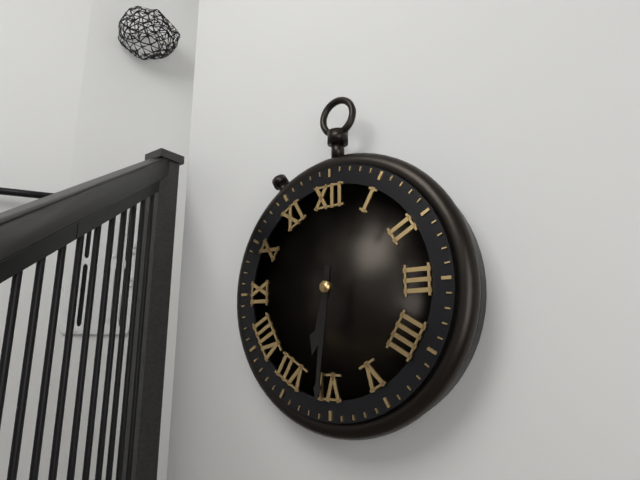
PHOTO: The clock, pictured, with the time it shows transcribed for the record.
6:31
